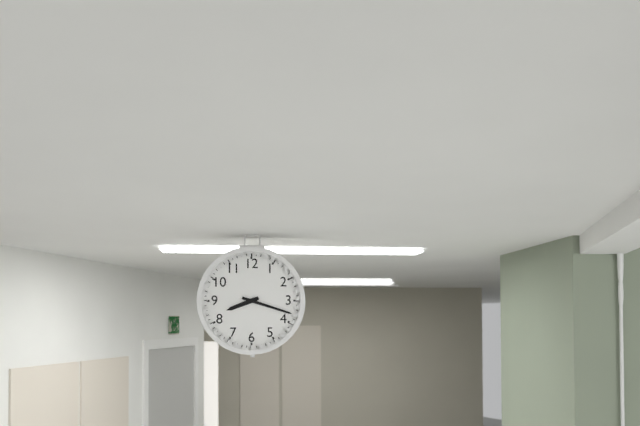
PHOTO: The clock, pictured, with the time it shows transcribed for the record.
8:18
